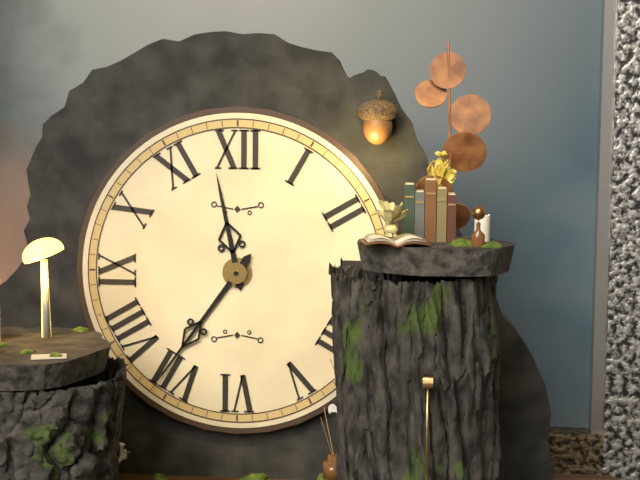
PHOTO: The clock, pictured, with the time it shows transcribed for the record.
11:36
